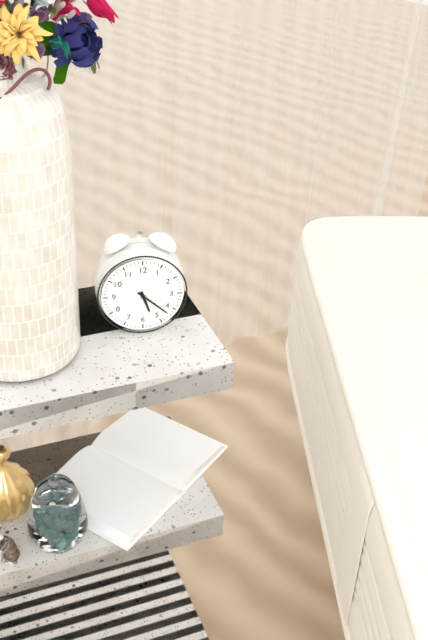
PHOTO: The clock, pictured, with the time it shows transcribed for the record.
5:22
